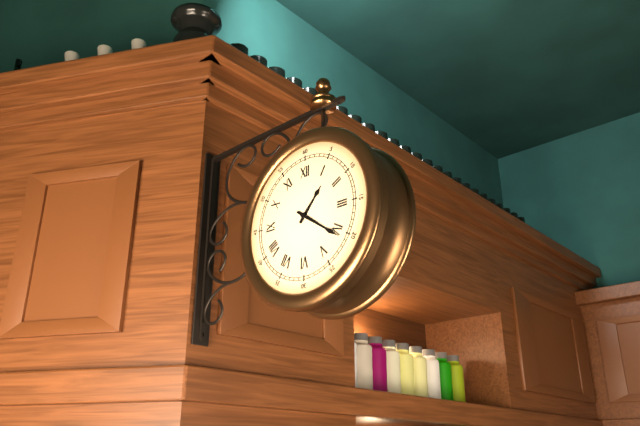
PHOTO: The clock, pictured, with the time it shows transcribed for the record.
1:21
